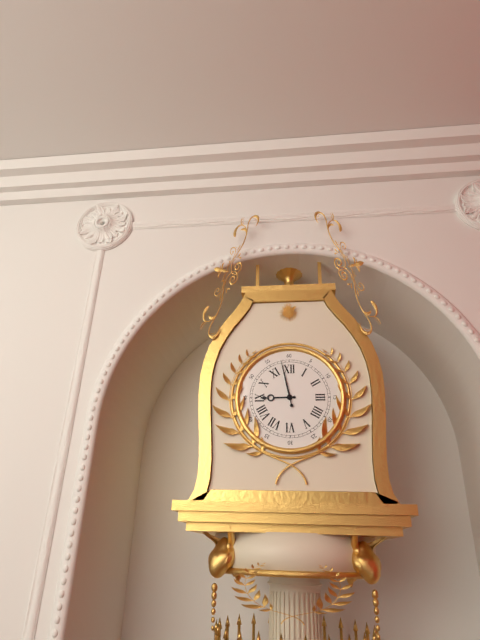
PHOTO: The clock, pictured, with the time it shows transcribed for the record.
8:58
